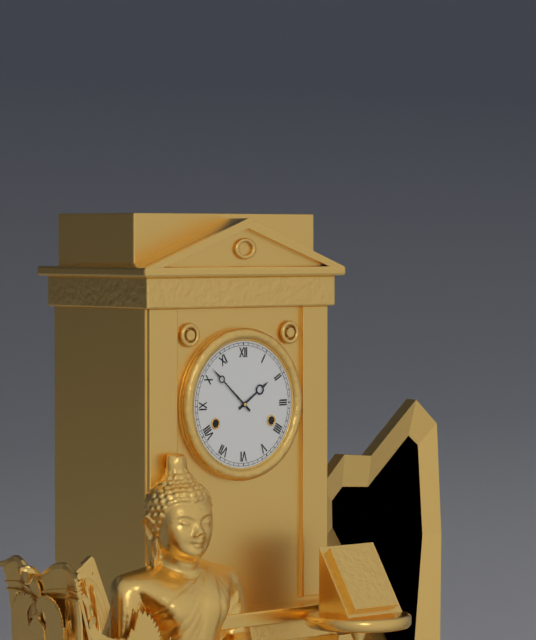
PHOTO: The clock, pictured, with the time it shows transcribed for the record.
1:52
